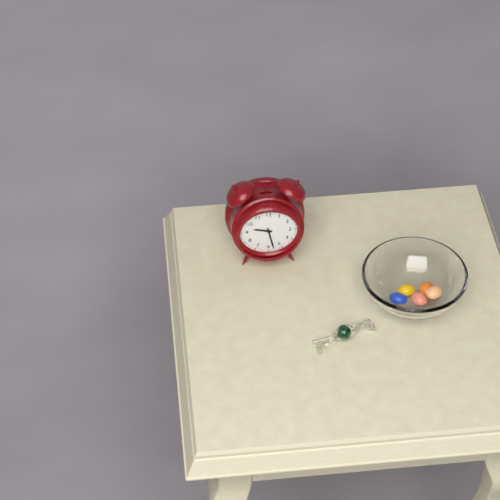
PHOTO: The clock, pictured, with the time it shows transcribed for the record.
9:28
